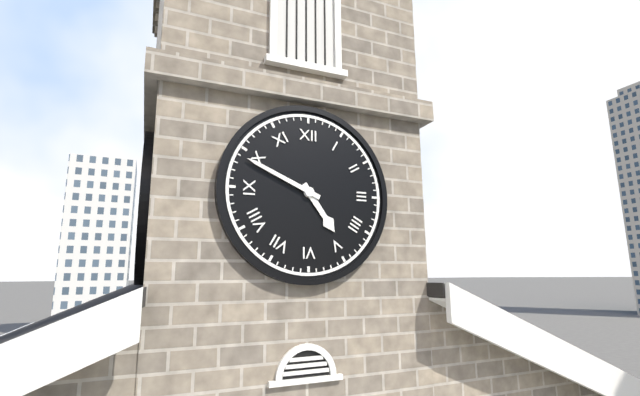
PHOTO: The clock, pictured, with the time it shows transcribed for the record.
4:49
